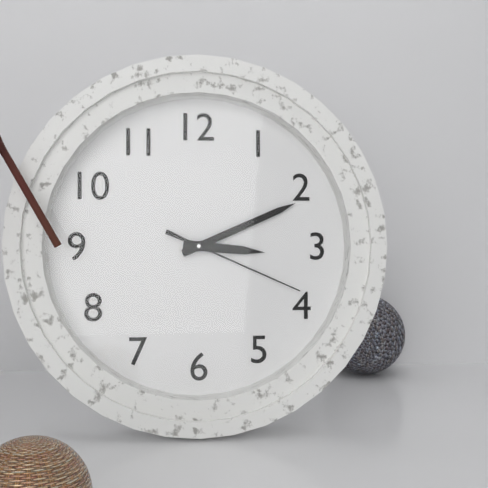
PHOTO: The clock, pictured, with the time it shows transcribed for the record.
3:11:19
